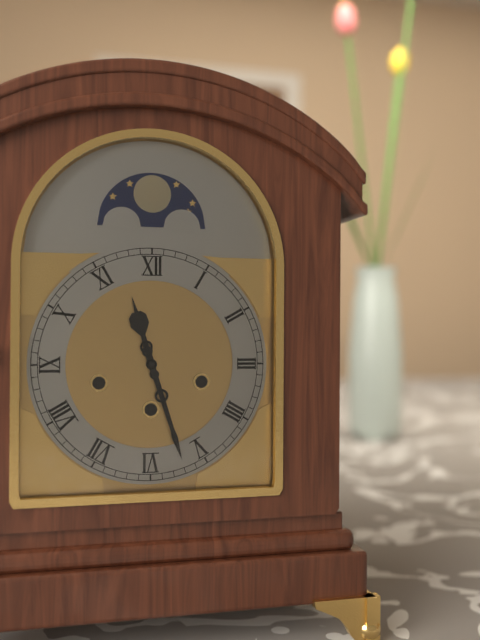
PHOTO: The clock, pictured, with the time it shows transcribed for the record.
11:27
